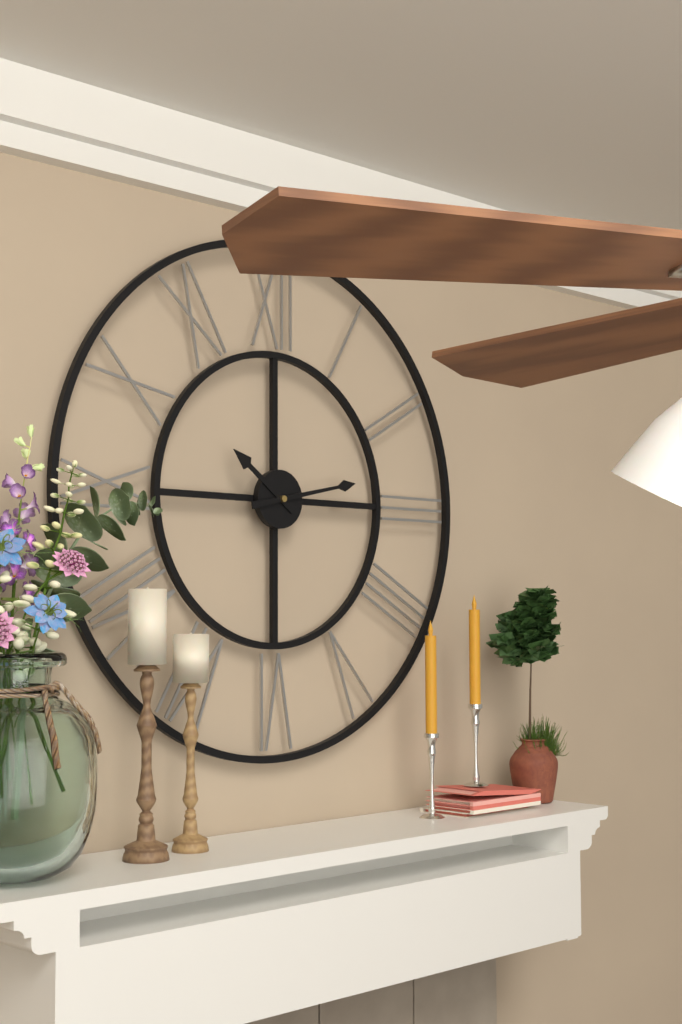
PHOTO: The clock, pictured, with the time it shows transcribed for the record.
10:13
